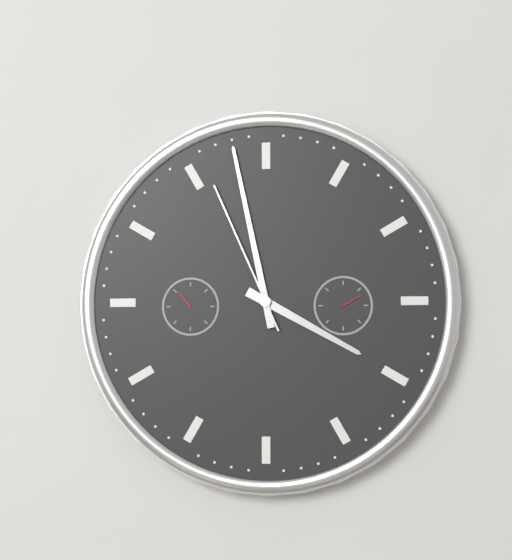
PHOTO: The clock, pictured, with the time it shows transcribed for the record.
3:58:56
